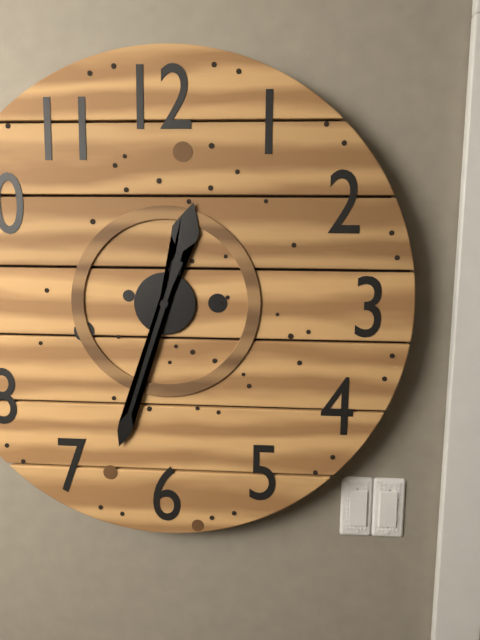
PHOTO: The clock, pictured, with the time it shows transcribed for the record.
12:33
